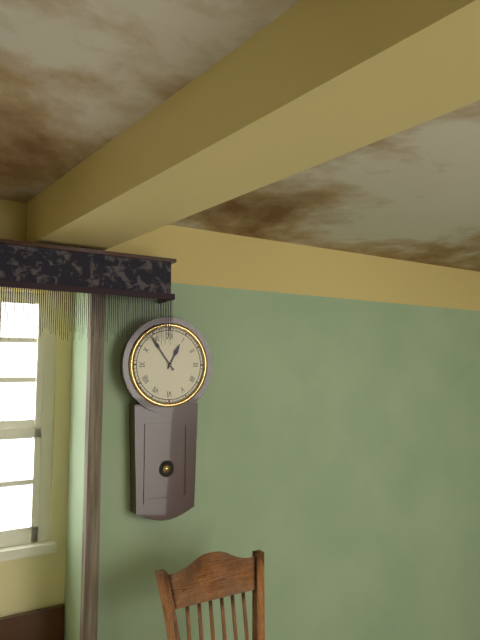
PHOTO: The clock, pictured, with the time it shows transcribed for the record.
12:54
